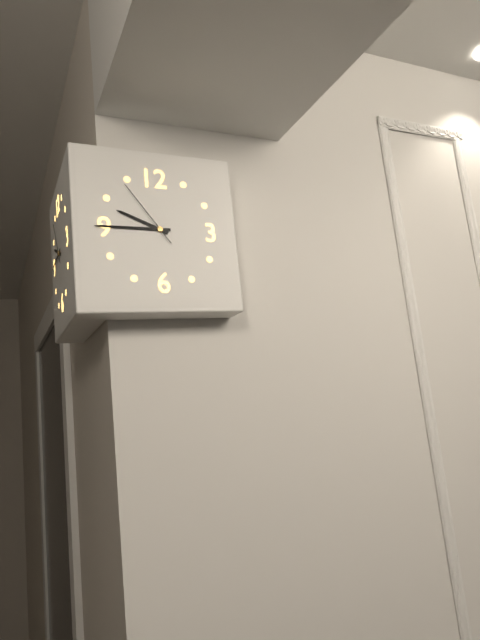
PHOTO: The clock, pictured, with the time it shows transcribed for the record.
9:45:54
